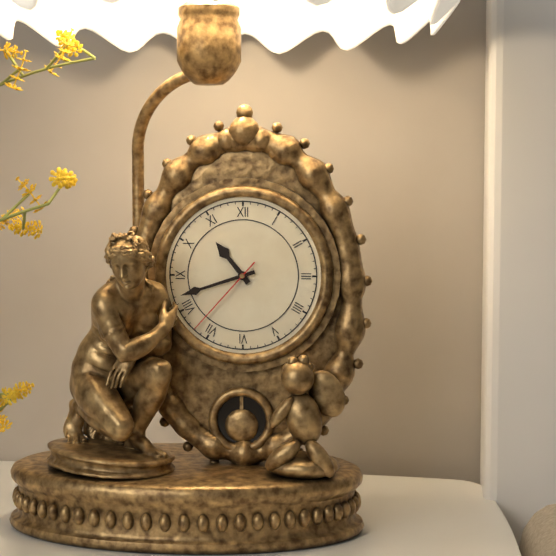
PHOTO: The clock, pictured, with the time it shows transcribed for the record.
10:42:37
